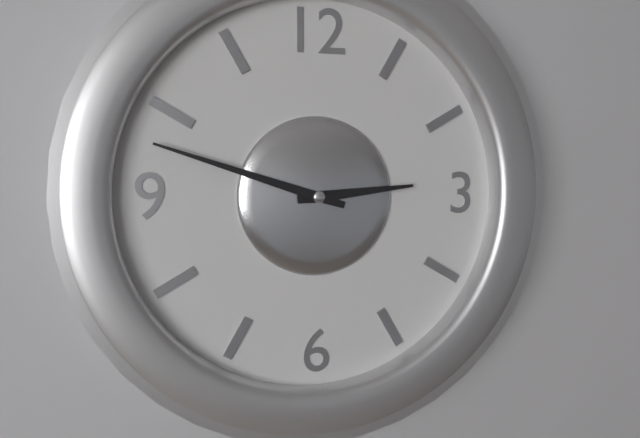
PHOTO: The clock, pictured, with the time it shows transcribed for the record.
2:48
